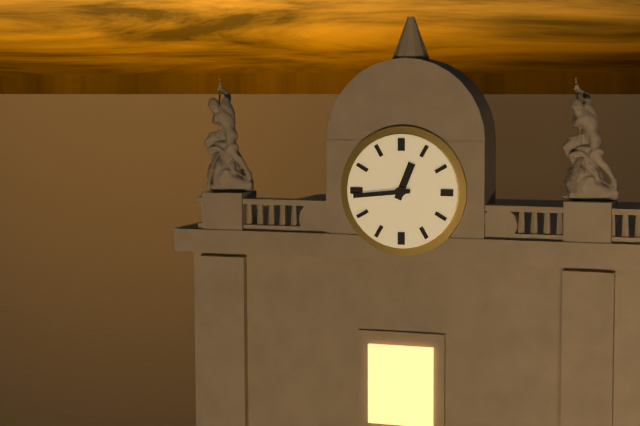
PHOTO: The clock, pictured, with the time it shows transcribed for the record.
12:44
